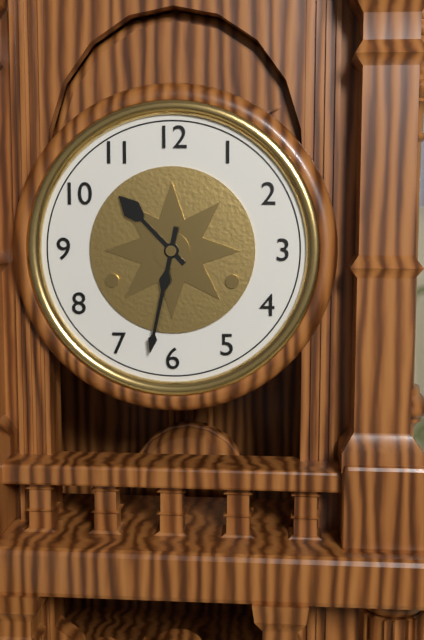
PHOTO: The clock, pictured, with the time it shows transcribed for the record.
10:32
